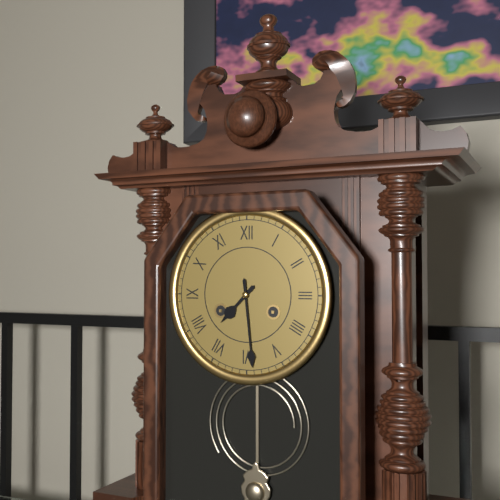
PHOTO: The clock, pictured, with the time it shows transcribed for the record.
7:29
